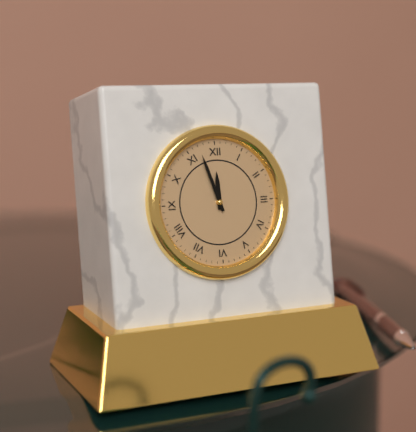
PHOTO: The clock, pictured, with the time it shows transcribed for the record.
11:57
